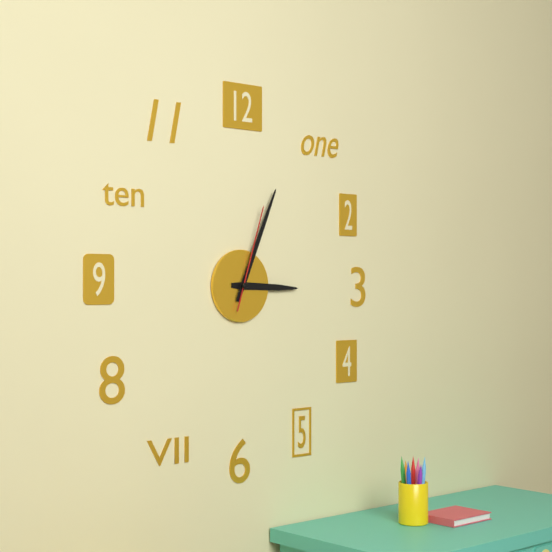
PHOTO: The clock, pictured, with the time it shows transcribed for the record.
3:04:03
